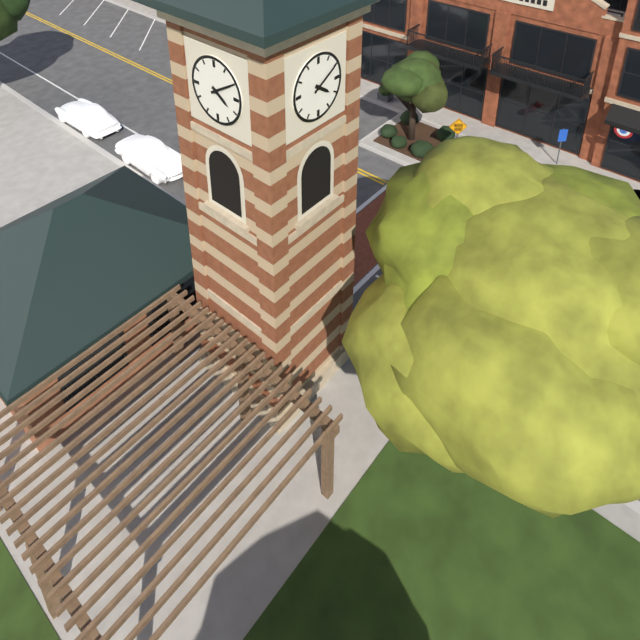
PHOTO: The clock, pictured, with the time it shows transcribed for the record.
4:10
